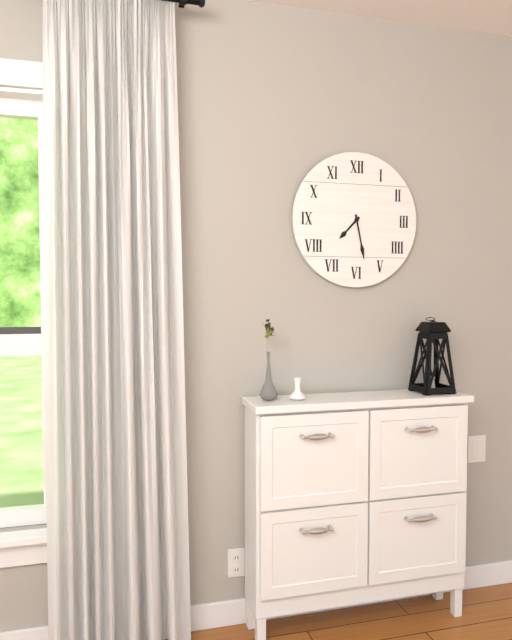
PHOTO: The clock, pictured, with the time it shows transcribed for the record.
7:28
